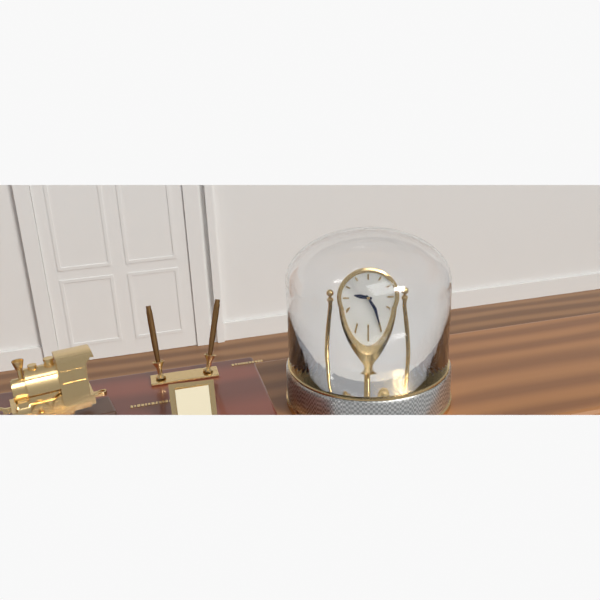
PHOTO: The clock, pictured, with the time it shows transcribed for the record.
9:25
